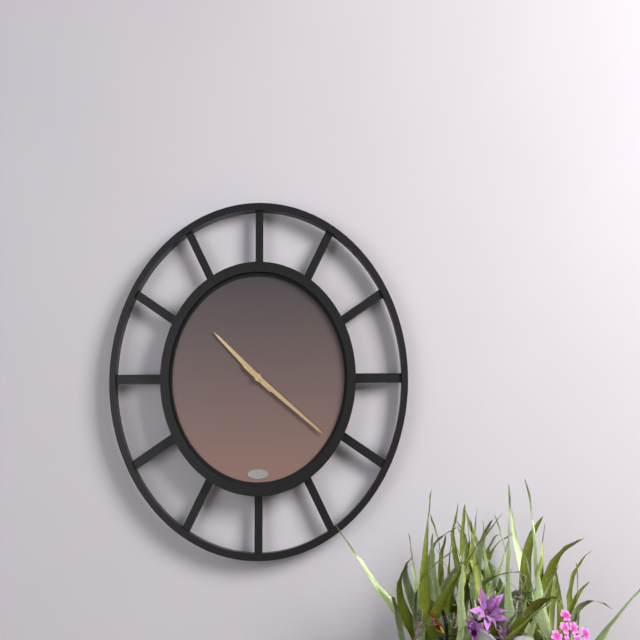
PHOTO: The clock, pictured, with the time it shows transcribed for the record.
10:21
